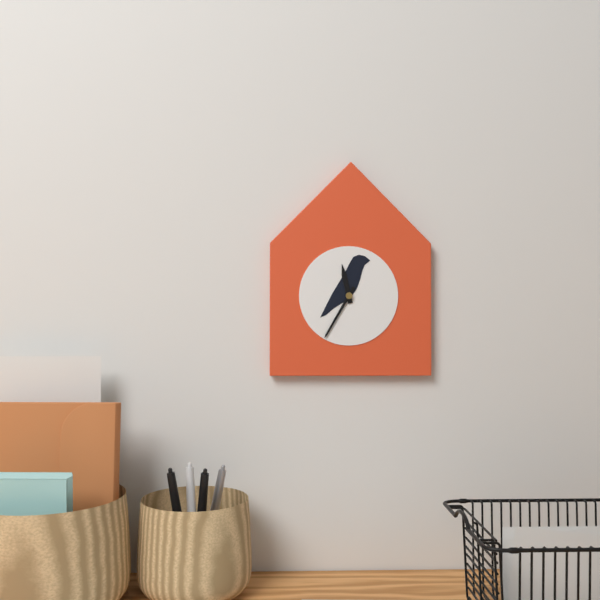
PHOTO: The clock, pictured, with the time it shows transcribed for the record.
11:35
